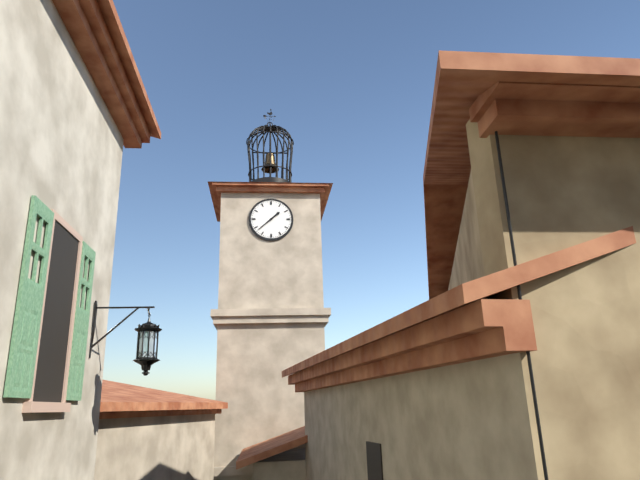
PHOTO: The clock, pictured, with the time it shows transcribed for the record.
1:38
